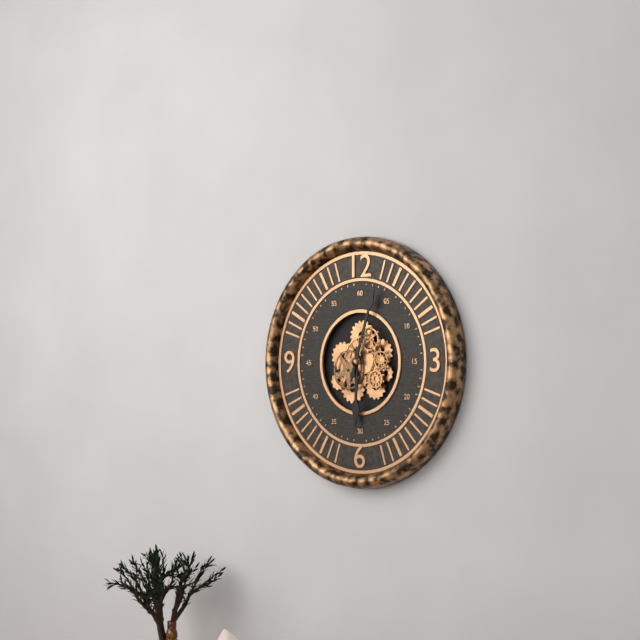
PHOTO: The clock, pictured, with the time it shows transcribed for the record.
6:03
